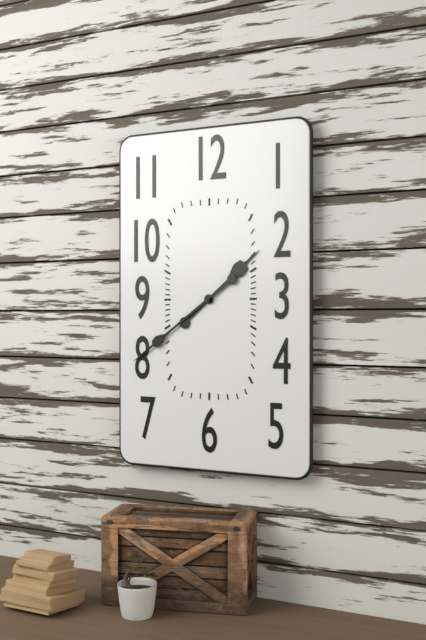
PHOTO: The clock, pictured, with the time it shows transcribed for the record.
1:39
